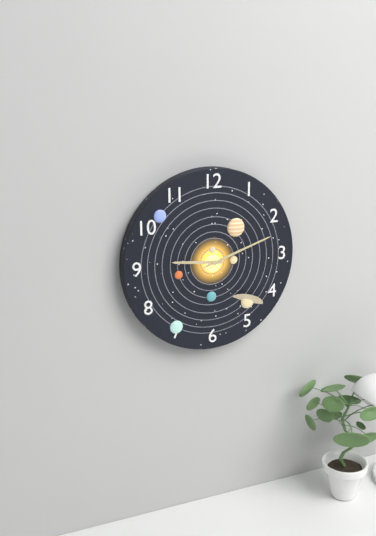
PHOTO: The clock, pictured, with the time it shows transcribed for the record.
9:12
